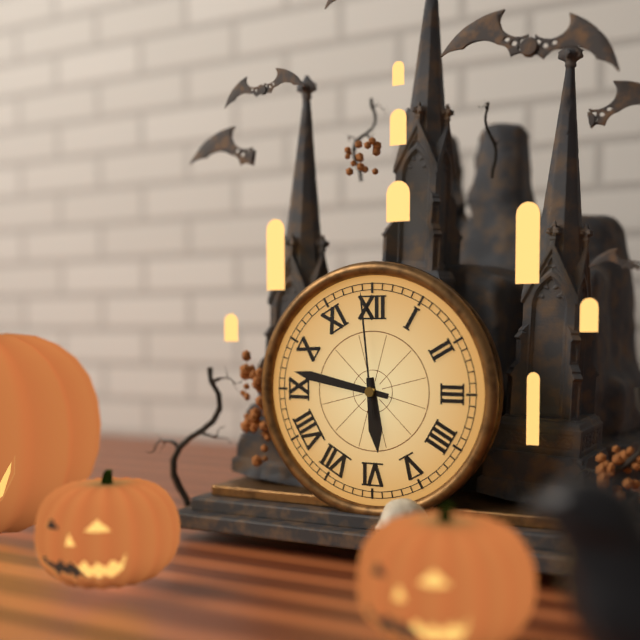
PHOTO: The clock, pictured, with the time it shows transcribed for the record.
5:47:59
